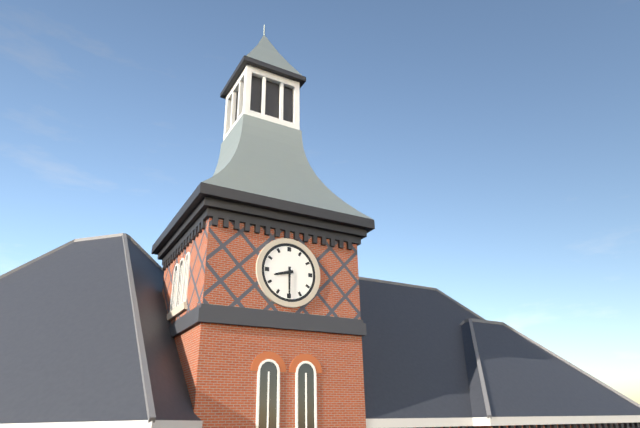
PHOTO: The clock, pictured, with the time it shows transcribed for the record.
8:30
